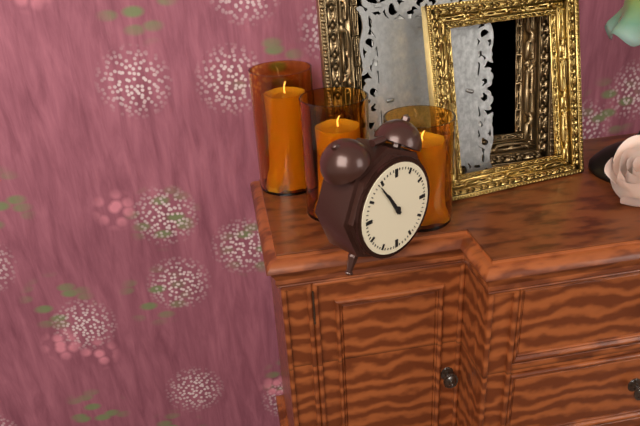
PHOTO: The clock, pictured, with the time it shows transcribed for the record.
10:54
